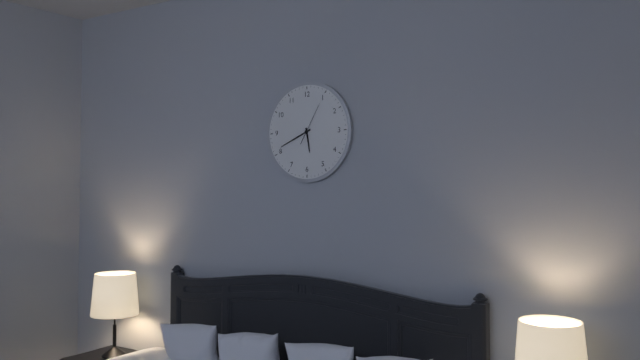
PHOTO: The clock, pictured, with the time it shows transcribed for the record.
5:41
